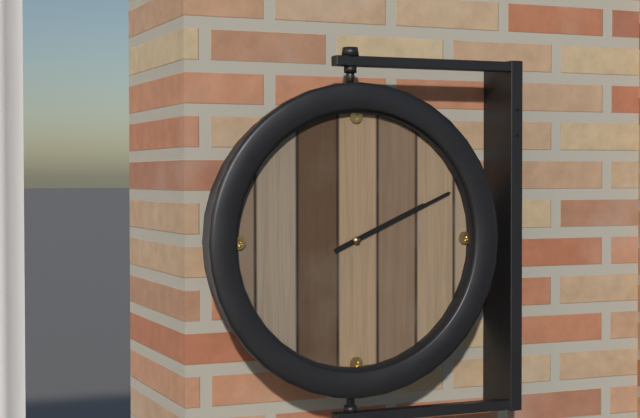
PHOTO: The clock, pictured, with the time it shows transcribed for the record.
2:11
